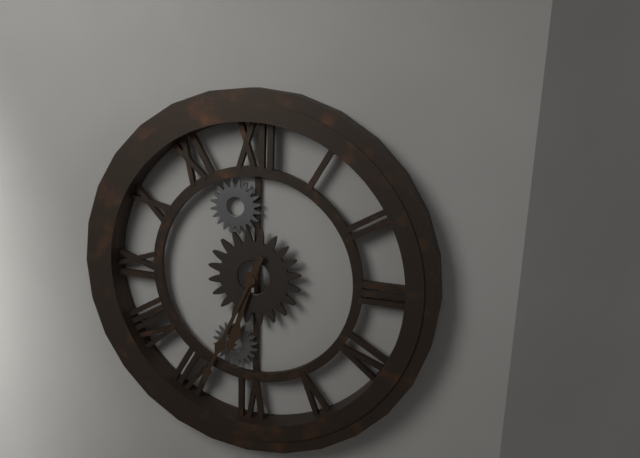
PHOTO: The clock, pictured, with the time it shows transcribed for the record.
6:34
